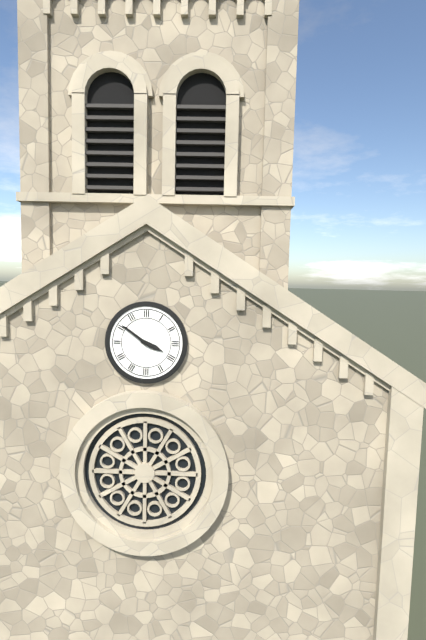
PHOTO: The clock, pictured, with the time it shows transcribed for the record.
3:51
